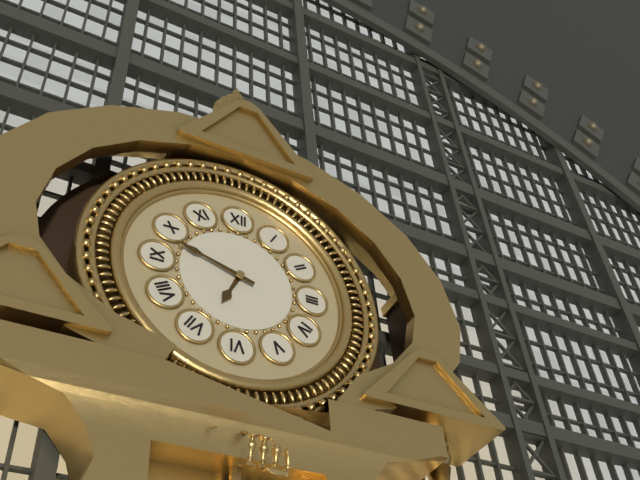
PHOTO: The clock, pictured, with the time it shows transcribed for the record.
6:48
